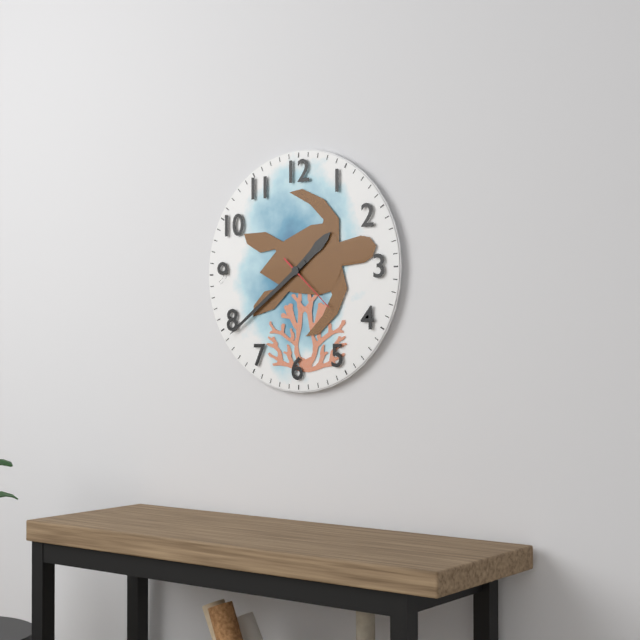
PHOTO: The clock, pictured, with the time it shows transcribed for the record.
1:39:22
